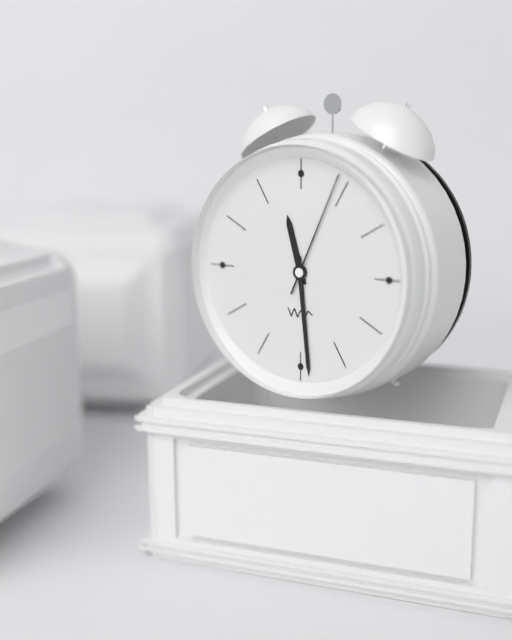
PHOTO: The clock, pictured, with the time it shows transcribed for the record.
11:29:04
